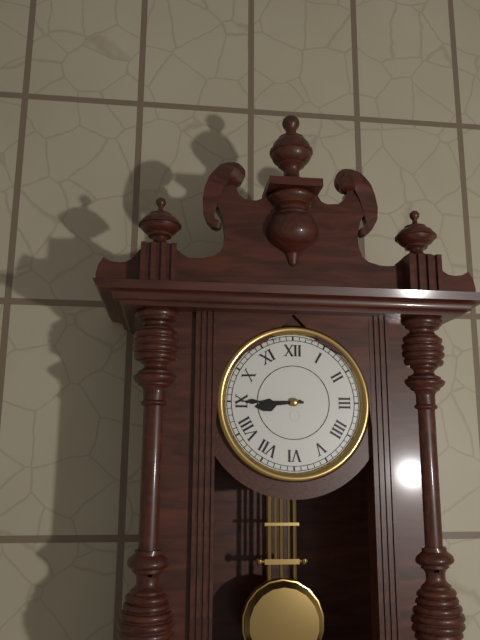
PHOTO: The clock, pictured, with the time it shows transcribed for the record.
8:45
